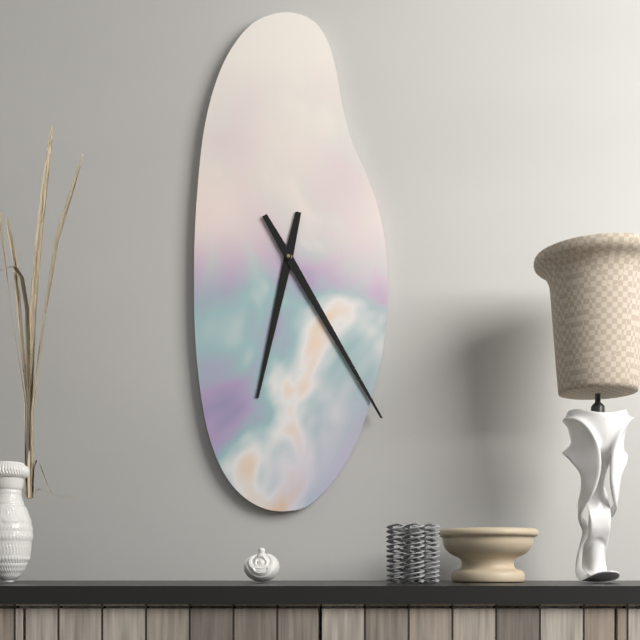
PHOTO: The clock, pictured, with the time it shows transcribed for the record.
6:25
